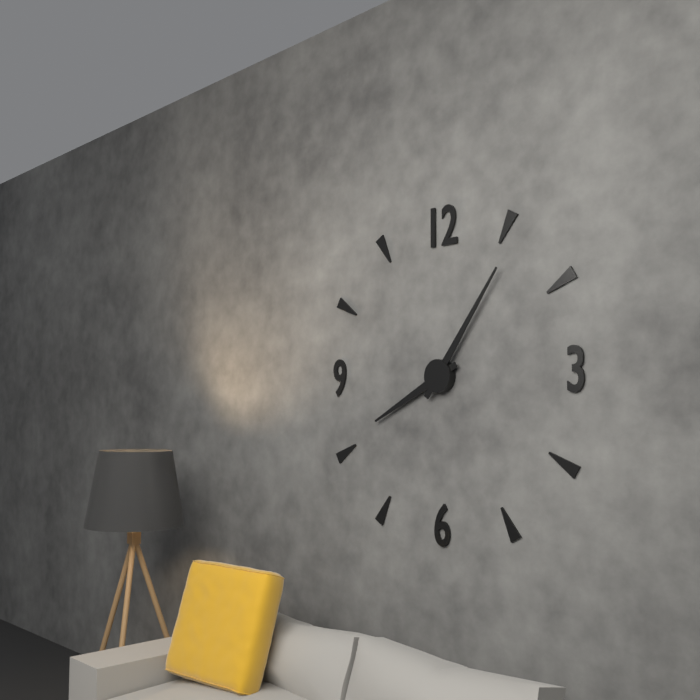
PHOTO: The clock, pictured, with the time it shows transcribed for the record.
8:06
